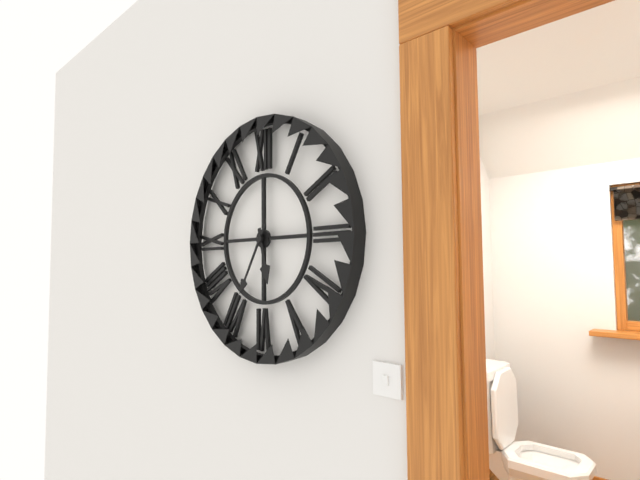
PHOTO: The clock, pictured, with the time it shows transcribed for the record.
5:35
